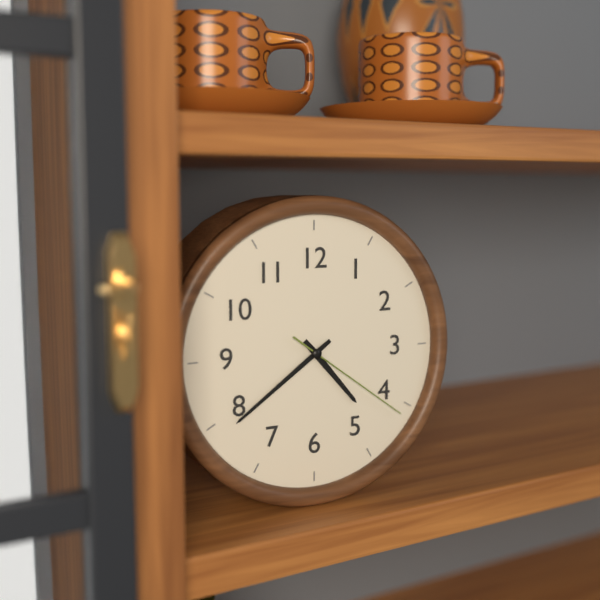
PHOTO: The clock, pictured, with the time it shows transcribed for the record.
4:39:21
